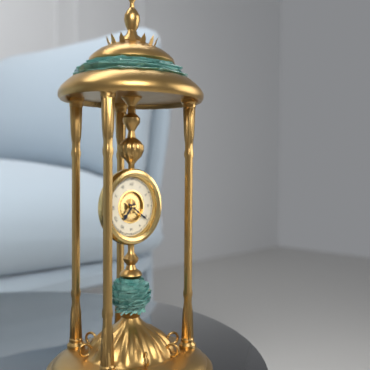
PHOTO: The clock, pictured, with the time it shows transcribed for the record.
7:21
